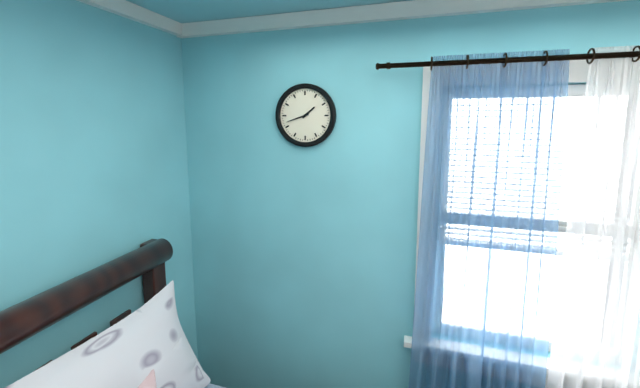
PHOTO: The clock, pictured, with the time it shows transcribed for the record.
1:42
